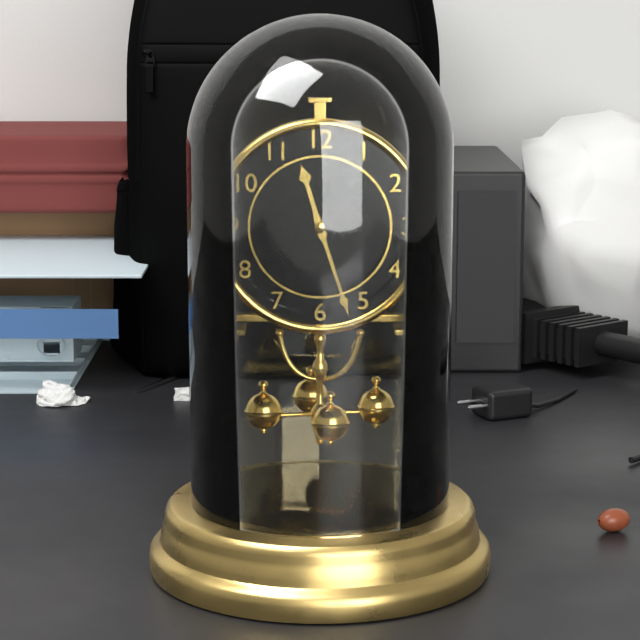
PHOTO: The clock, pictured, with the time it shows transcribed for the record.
11:27
